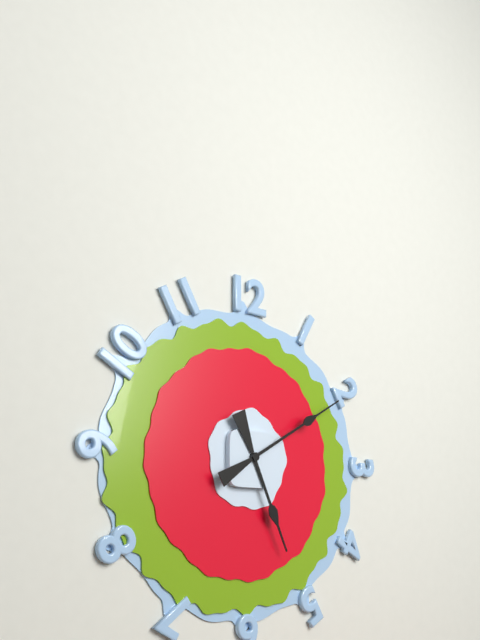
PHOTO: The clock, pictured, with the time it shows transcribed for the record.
5:10
